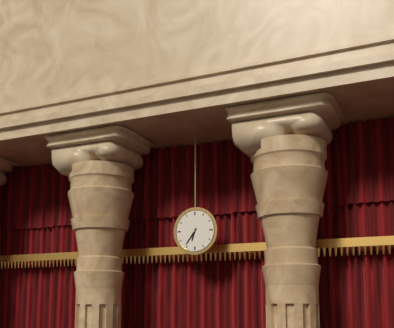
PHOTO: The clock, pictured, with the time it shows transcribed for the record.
6:36
